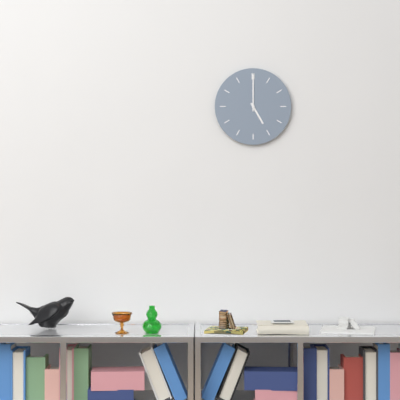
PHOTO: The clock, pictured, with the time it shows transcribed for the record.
5:00
